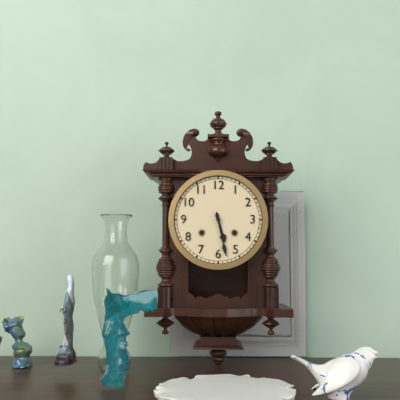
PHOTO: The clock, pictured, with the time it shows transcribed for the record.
5:28
